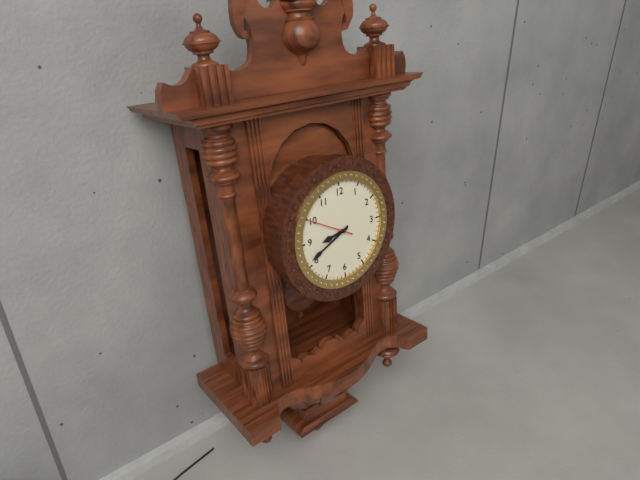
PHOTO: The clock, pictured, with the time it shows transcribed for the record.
8:41
